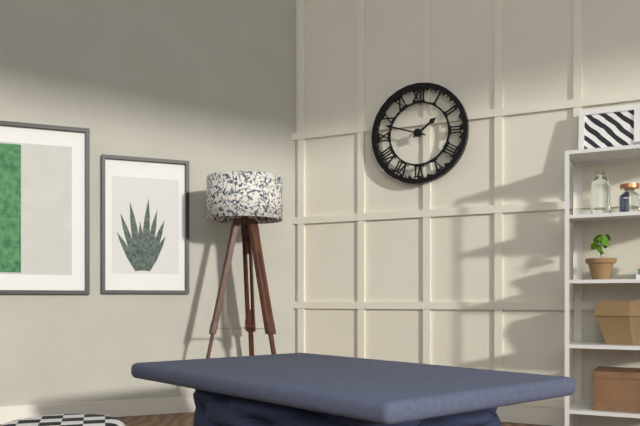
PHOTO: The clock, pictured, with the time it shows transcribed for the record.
1:48
